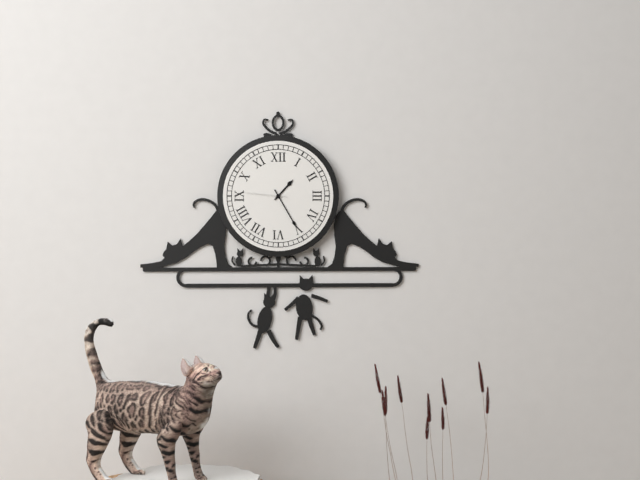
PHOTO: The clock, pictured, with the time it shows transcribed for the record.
1:25
